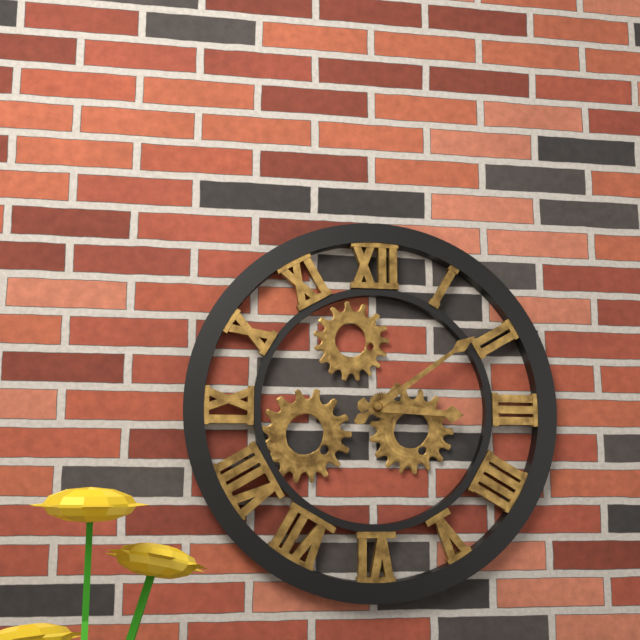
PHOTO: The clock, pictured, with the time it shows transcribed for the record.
3:09
